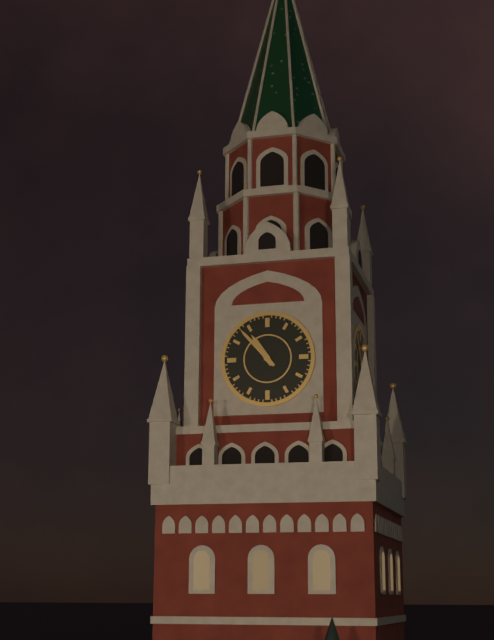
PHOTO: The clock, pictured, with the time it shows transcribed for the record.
10:53
